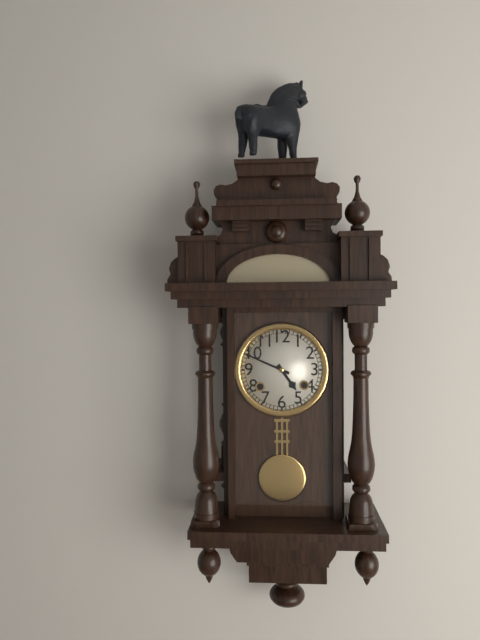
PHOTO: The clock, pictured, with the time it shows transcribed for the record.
4:49
